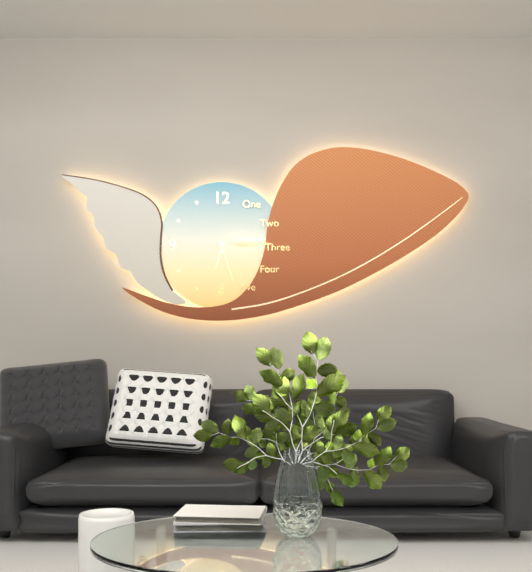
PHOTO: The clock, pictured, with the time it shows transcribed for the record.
6:27
